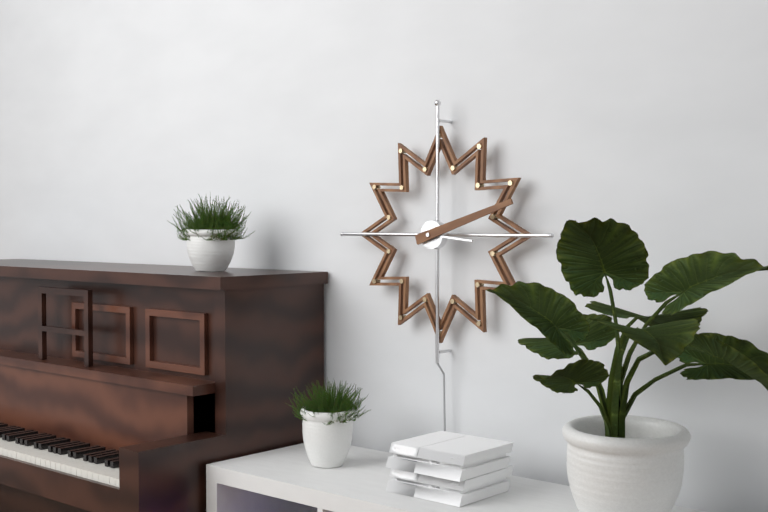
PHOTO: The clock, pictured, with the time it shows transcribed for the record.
3:12
